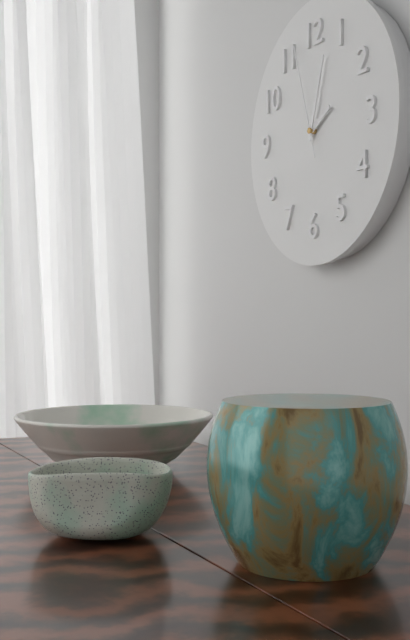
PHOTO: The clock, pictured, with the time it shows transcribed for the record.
2:03:57
